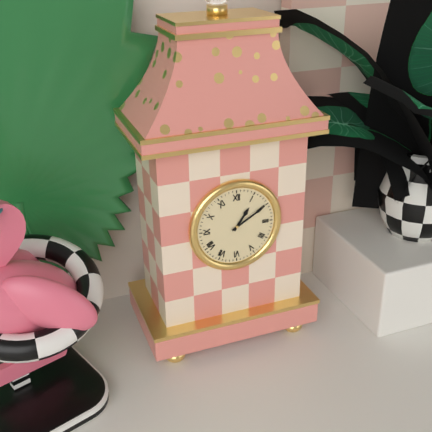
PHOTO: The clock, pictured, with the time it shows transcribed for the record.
1:10
